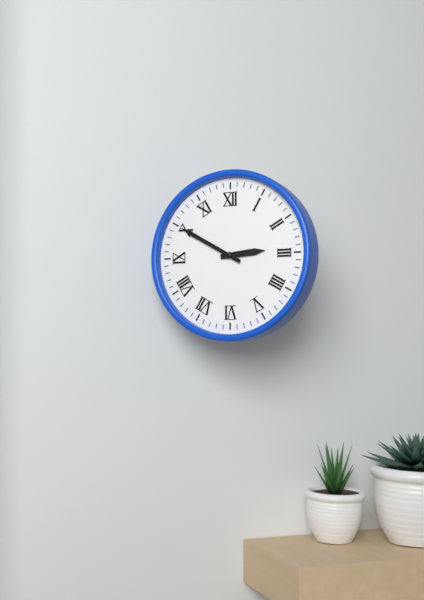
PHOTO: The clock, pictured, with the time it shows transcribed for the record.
2:50
